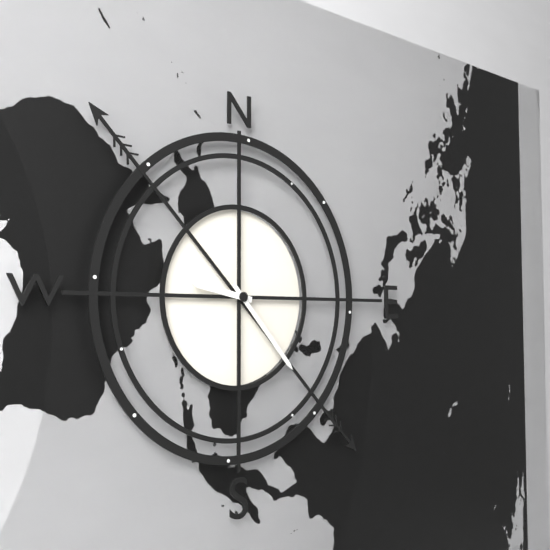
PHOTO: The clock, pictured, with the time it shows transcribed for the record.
9:23
